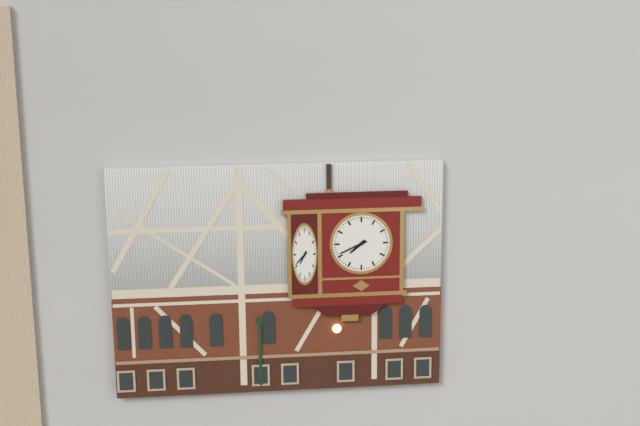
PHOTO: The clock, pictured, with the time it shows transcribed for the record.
7:41
